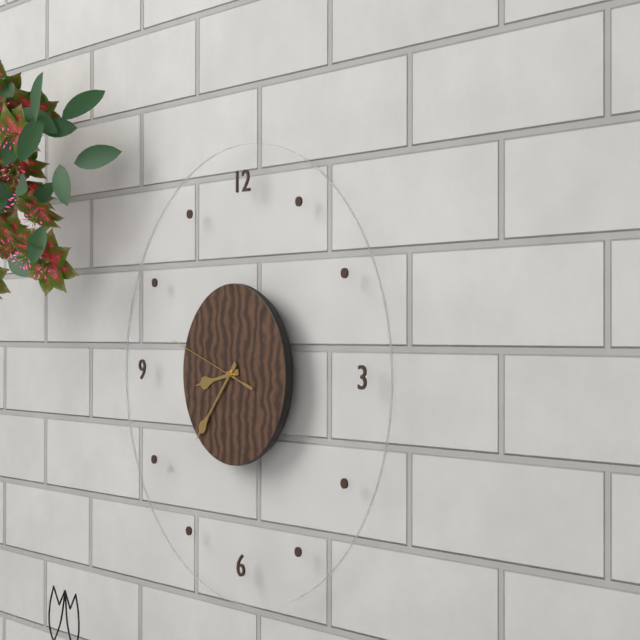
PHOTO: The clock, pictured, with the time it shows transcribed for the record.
8:37:48
